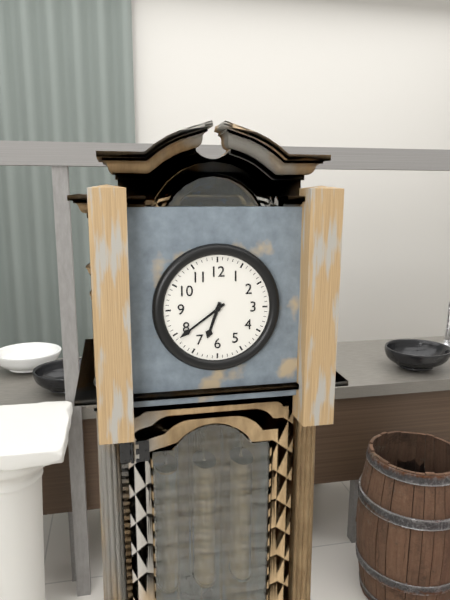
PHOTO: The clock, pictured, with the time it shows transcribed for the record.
6:39
